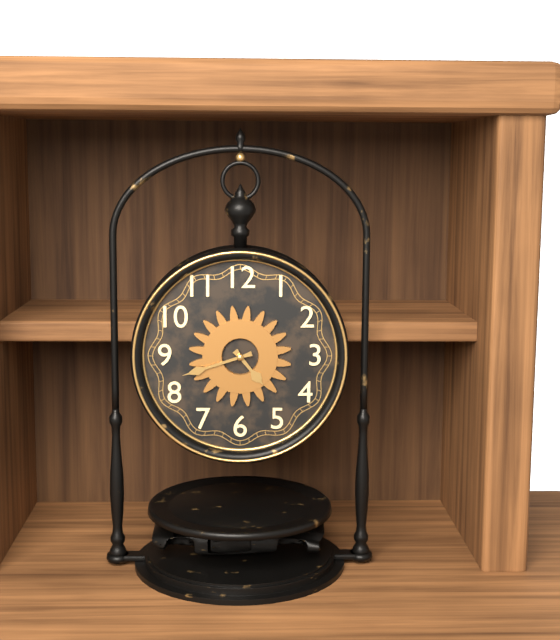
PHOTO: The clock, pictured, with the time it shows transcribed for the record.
4:42
